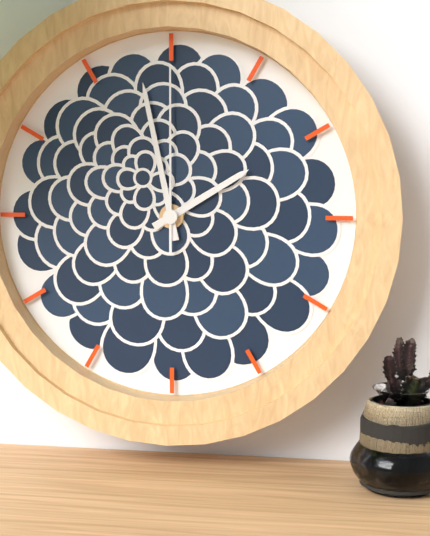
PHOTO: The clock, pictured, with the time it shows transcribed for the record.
1:58:00
